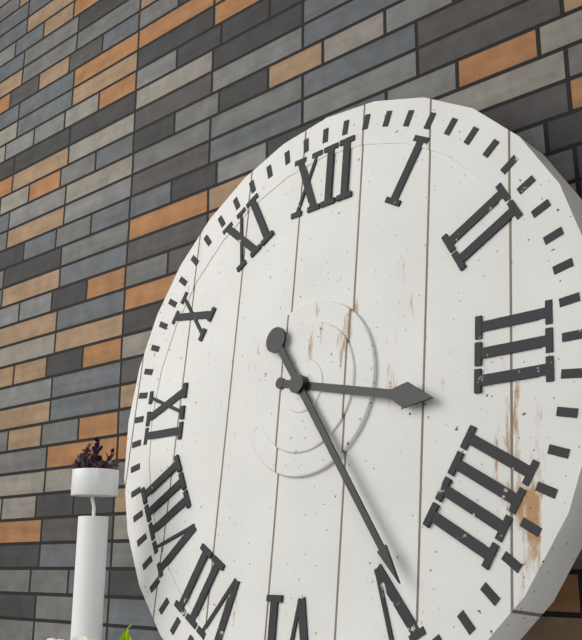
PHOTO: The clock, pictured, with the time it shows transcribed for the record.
3:24
